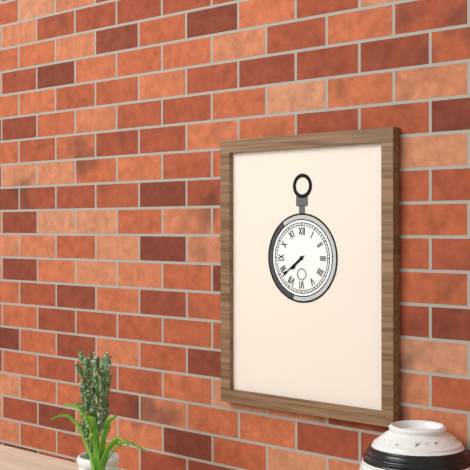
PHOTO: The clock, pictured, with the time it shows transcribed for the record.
7:39
